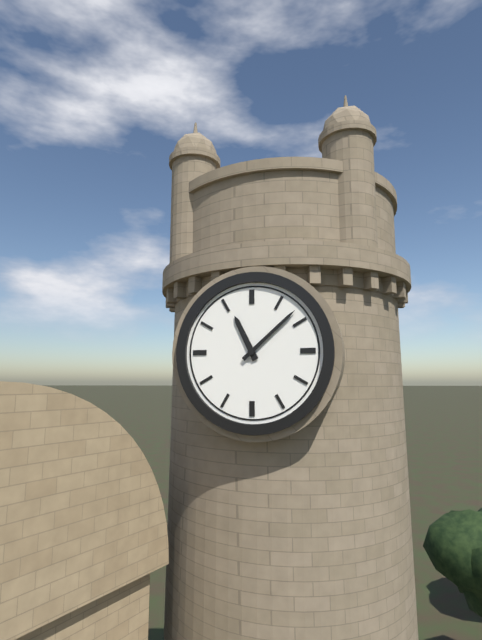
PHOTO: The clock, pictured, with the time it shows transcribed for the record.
11:08
